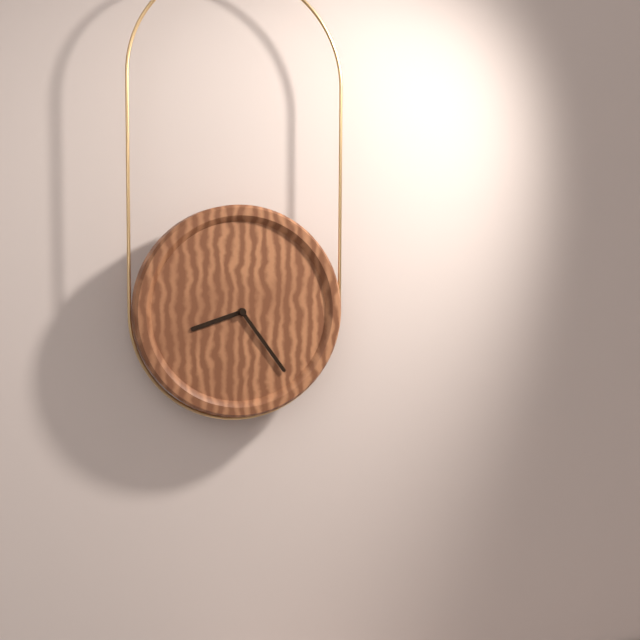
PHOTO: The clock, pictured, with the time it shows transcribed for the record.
8:24
